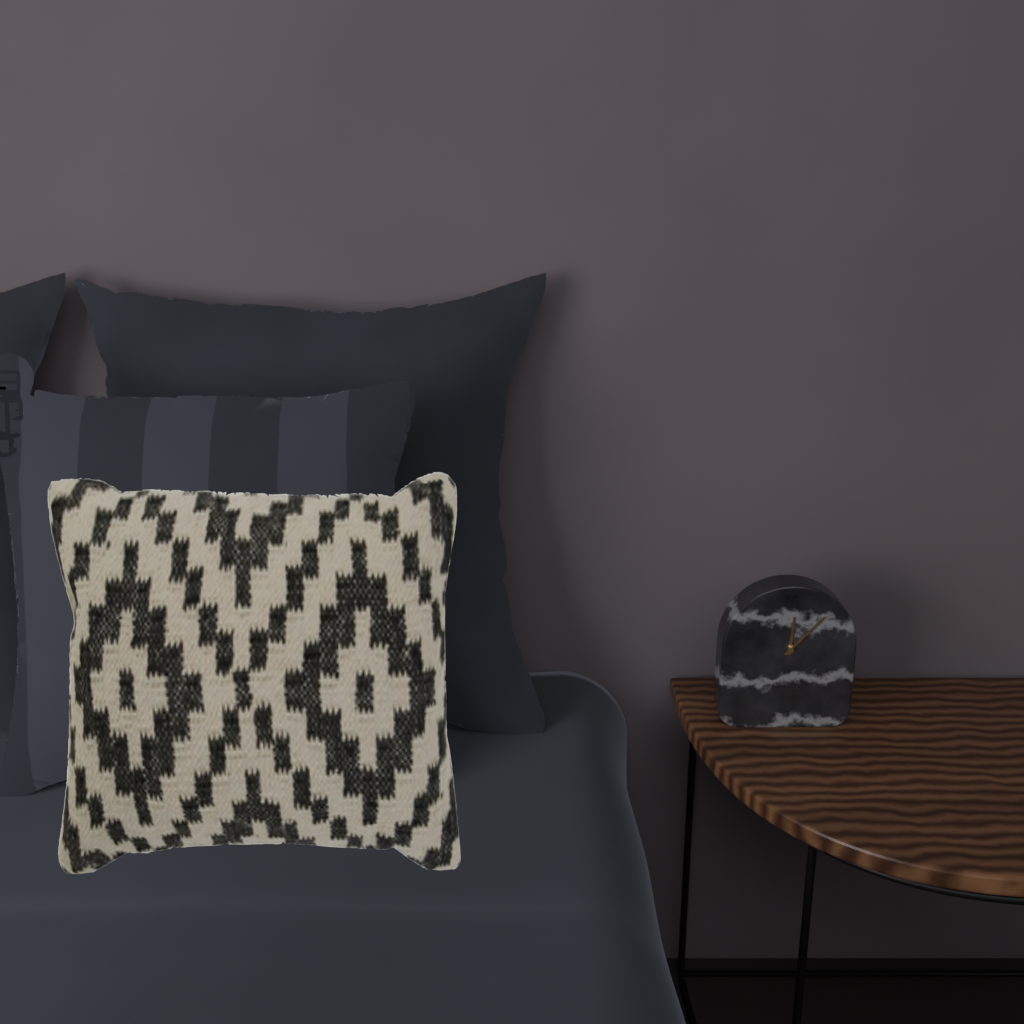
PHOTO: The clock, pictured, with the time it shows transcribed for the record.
12:07
